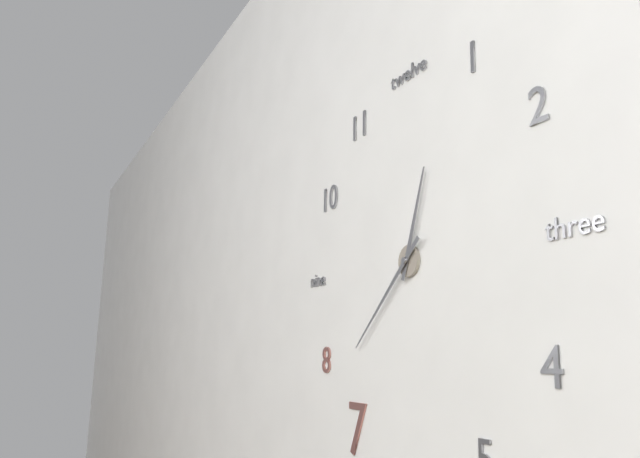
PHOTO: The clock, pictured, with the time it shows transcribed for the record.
12:38
